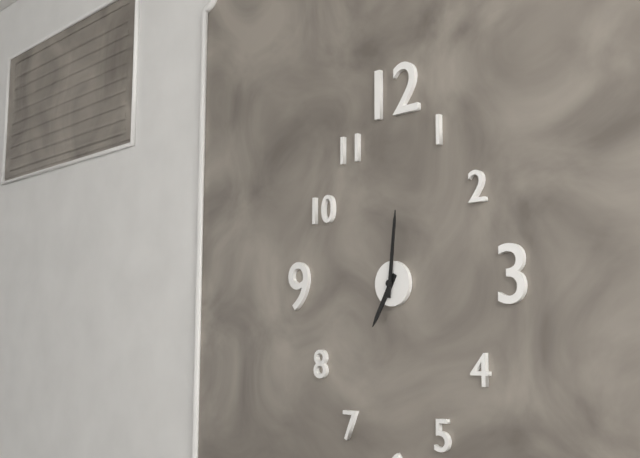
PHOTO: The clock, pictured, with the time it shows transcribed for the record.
7:01
